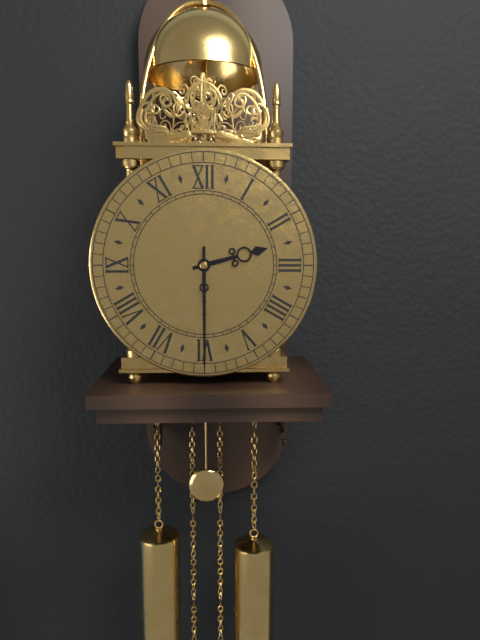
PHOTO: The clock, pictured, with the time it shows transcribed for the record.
2:30
